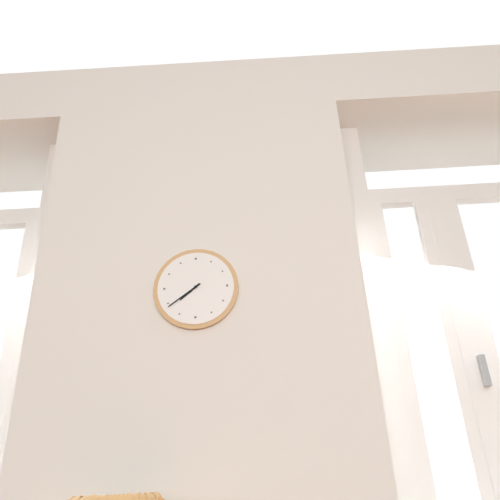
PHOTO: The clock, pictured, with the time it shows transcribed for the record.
7:39
